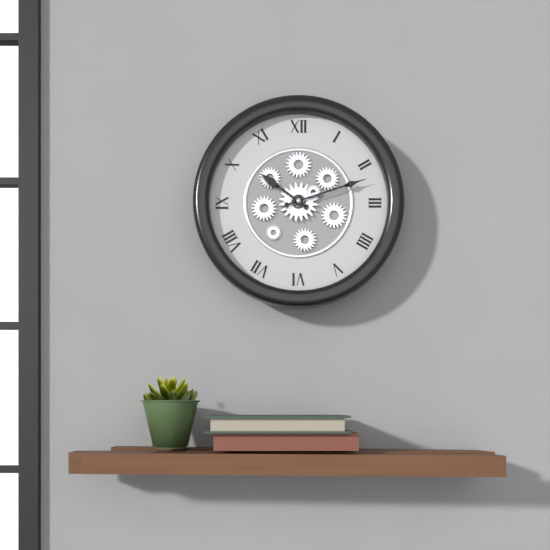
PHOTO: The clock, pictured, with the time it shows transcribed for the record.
10:12
